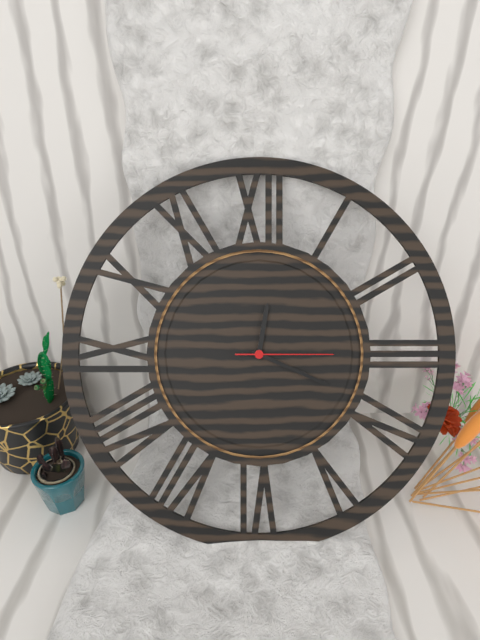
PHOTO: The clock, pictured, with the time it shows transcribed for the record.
12:19:15
